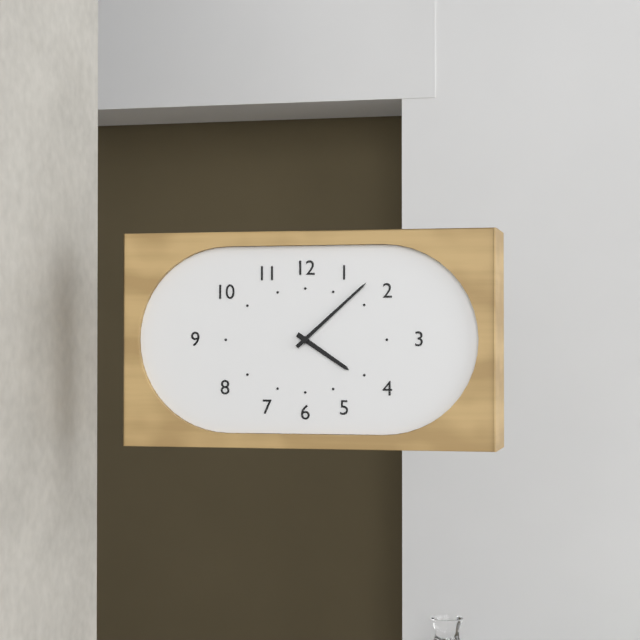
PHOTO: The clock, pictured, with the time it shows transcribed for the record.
4:08
